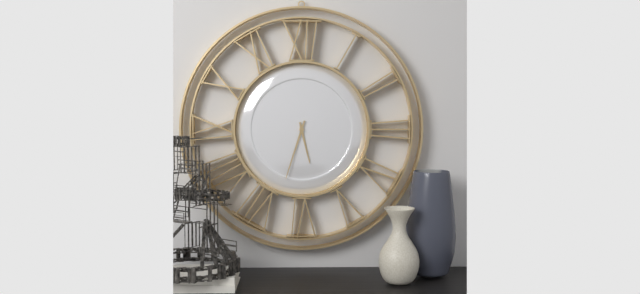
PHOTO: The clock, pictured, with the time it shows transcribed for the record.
5:33
